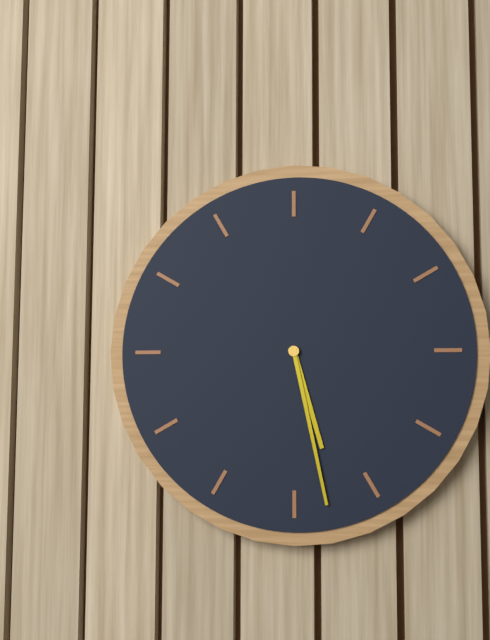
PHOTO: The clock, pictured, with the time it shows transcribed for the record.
5:28
